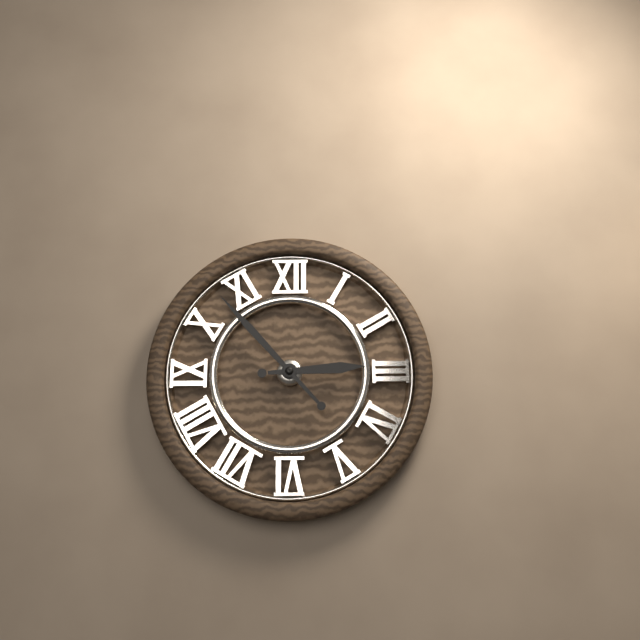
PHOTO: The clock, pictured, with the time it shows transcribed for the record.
2:53
